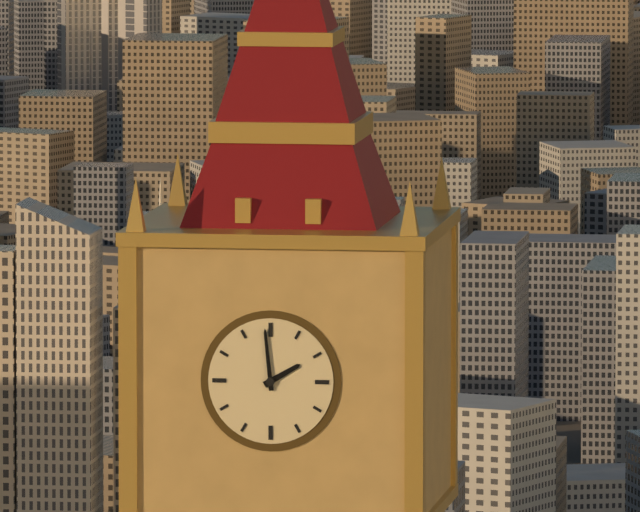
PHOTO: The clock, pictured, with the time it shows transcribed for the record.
1:59
